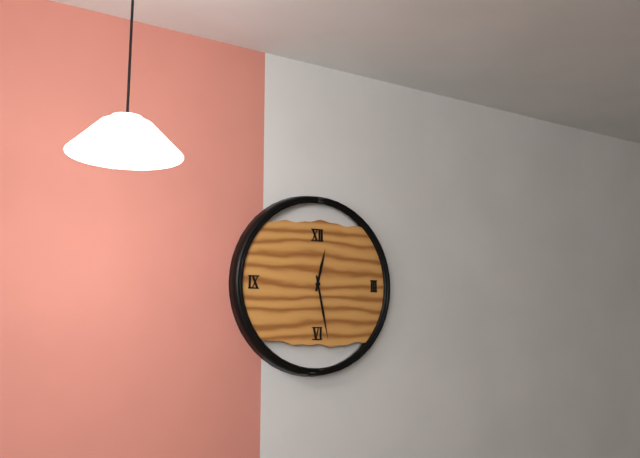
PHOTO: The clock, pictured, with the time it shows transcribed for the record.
12:28
